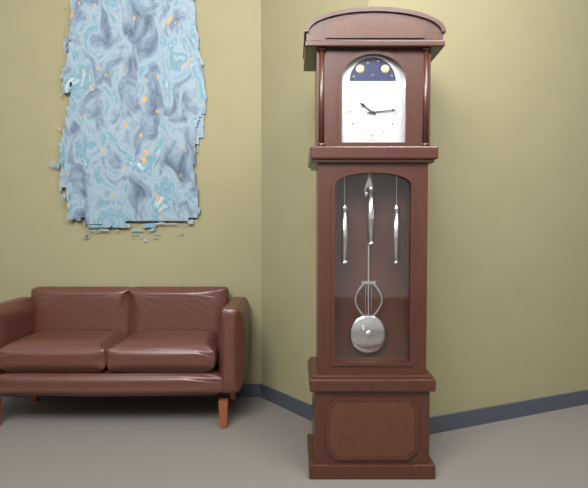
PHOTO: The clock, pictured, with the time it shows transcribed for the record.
10:14
